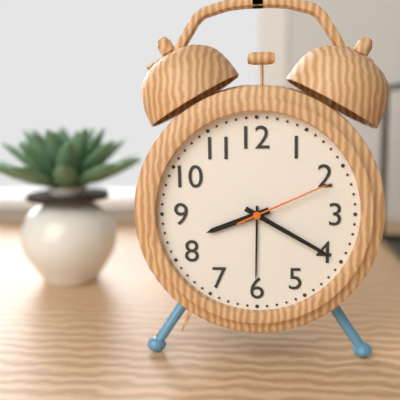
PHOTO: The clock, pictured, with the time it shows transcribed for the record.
8:20:11
